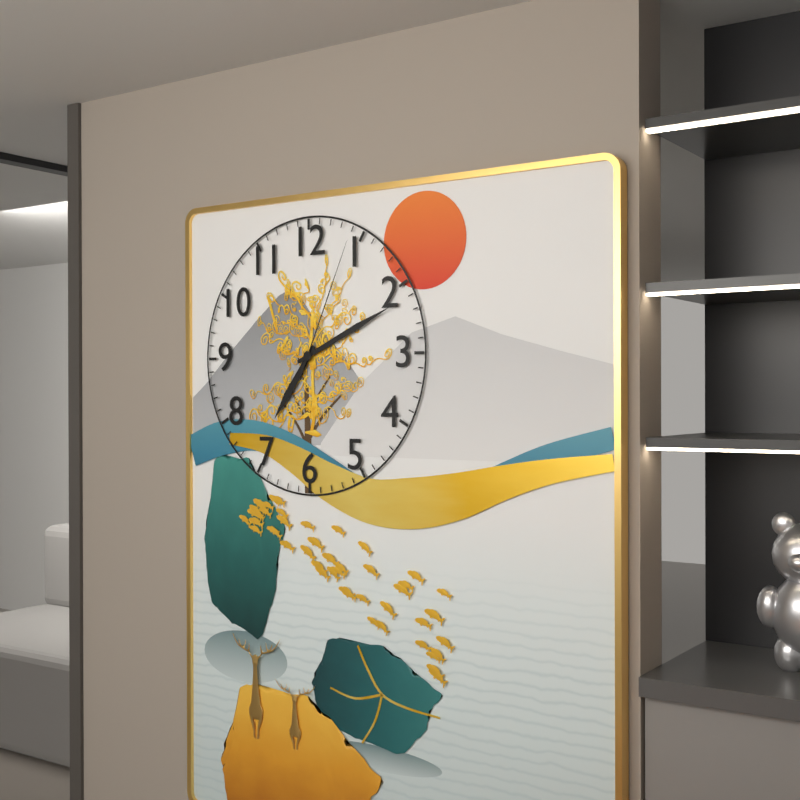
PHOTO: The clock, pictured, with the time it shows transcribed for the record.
7:11:04
